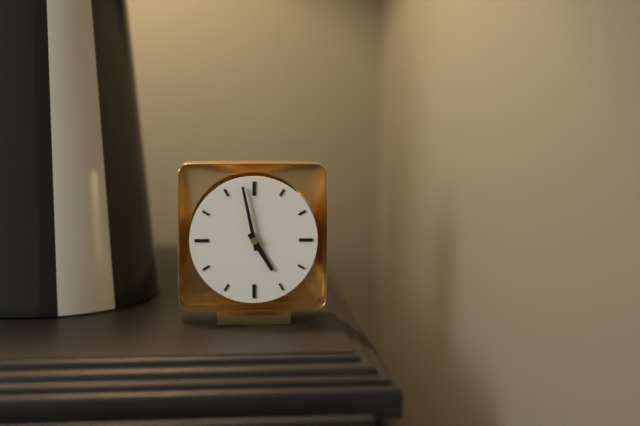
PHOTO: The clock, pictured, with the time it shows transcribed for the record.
4:58
